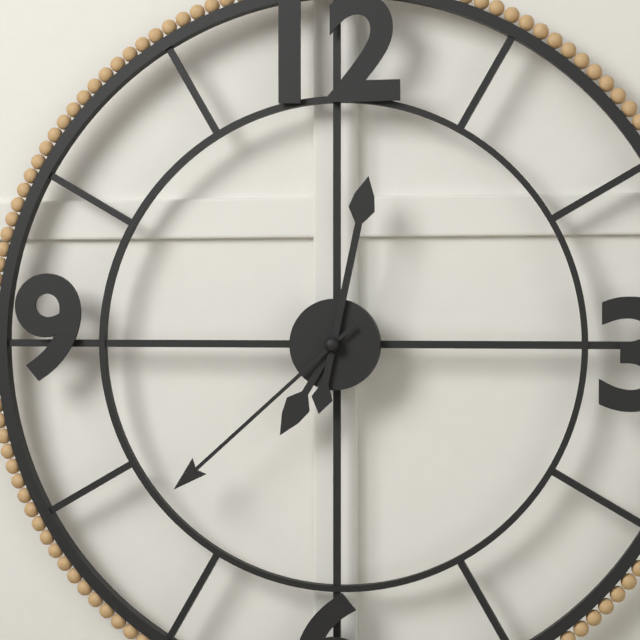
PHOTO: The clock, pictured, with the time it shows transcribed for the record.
7:02:38
